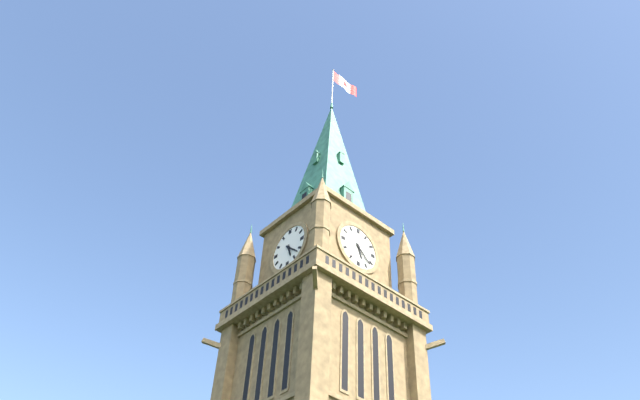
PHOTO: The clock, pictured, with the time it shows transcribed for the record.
5:22
